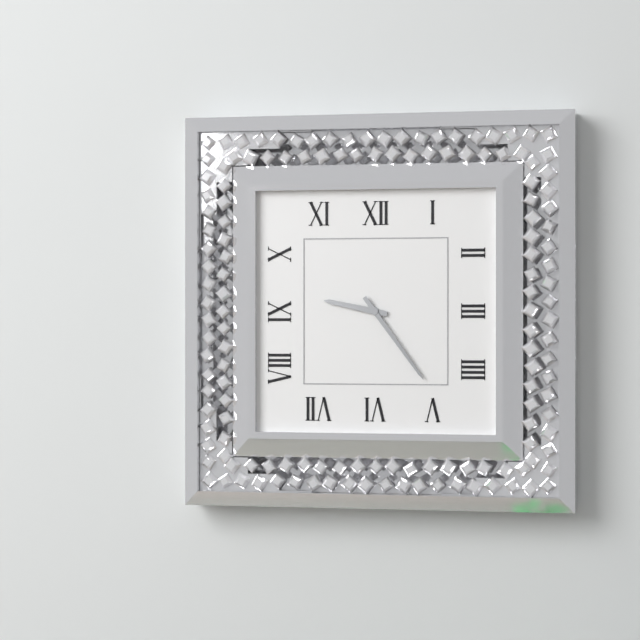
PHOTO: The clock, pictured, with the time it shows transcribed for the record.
9:24
